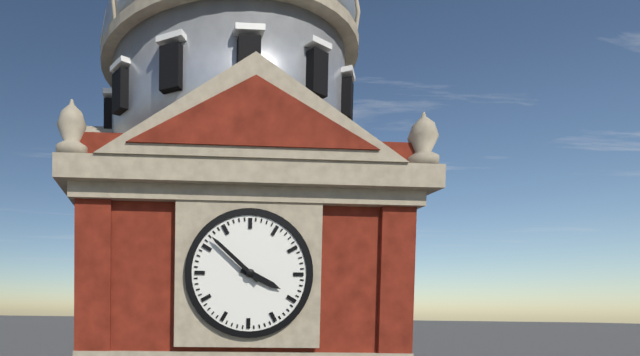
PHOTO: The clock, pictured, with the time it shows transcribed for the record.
3:52
